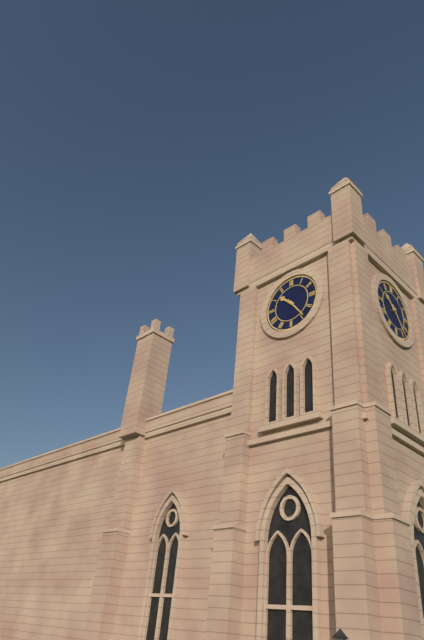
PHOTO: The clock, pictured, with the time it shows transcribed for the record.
10:24
